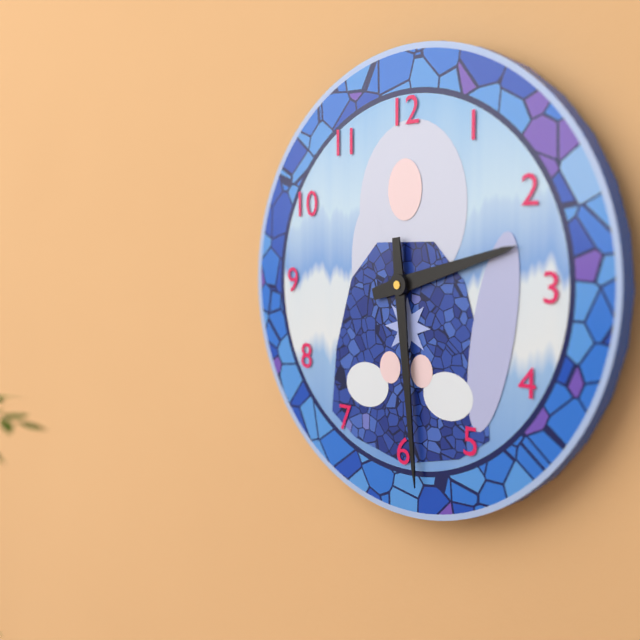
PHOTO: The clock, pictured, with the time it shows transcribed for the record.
2:29
